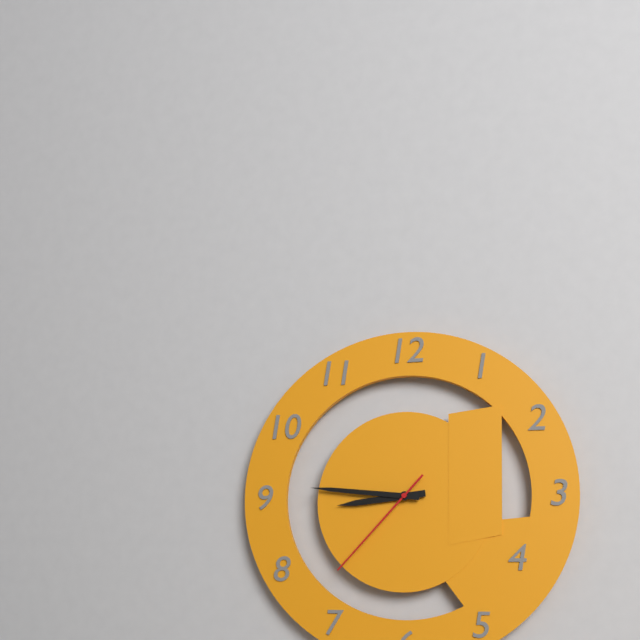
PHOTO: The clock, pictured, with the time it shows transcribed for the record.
8:46:37
